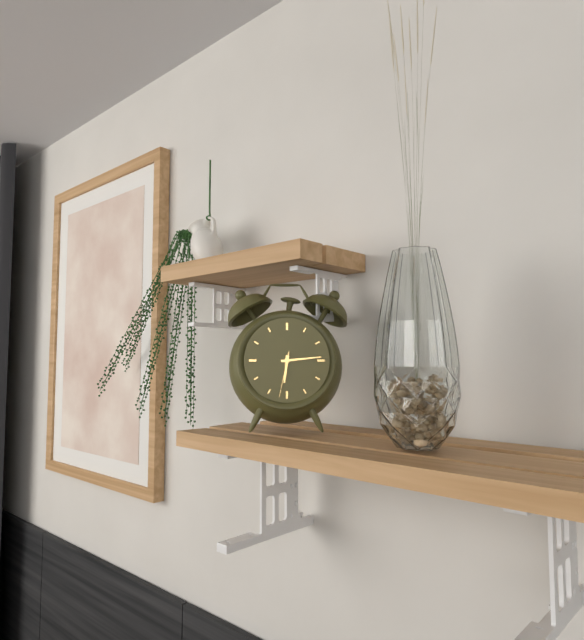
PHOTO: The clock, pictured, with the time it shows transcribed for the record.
6:14
